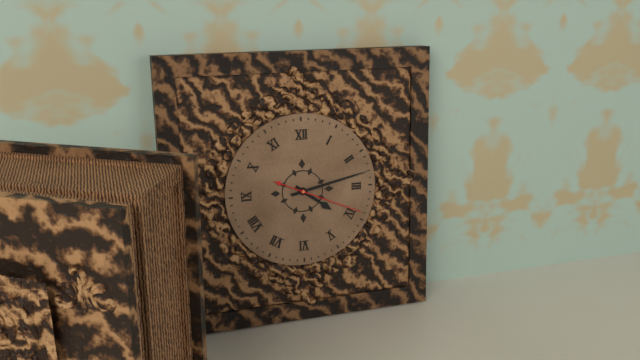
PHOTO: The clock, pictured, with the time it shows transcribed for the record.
4:13:19
